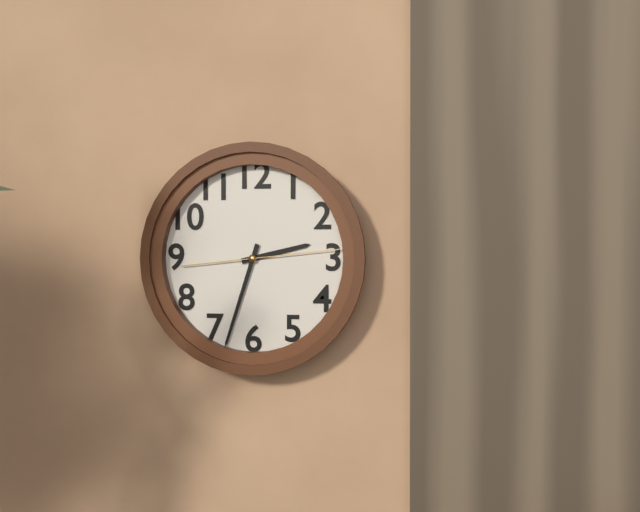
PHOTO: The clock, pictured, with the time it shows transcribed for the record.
2:33:14
